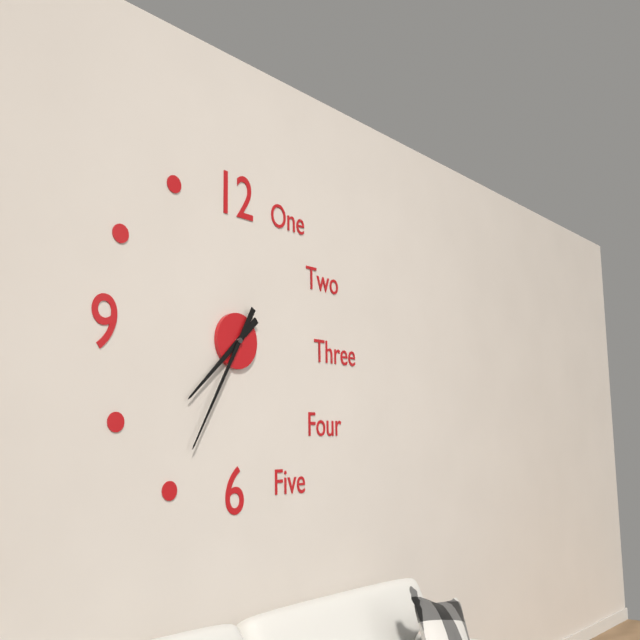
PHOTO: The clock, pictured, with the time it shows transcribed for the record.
7:35
